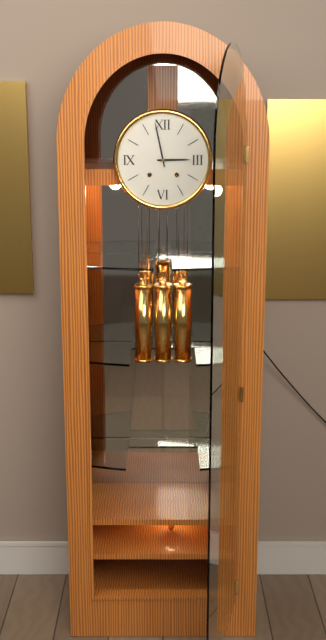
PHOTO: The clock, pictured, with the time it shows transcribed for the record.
2:58
